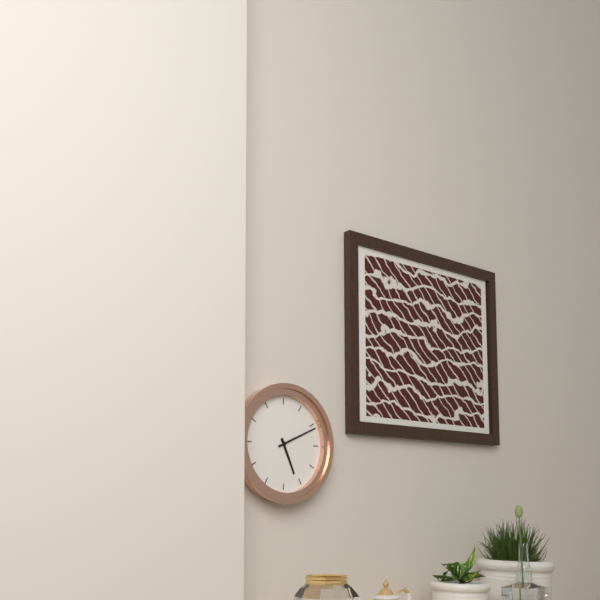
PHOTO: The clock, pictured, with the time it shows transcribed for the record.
5:11
